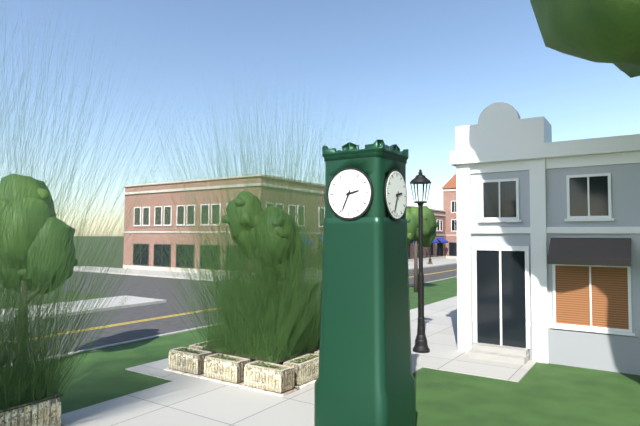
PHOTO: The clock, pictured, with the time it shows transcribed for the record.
2:34
